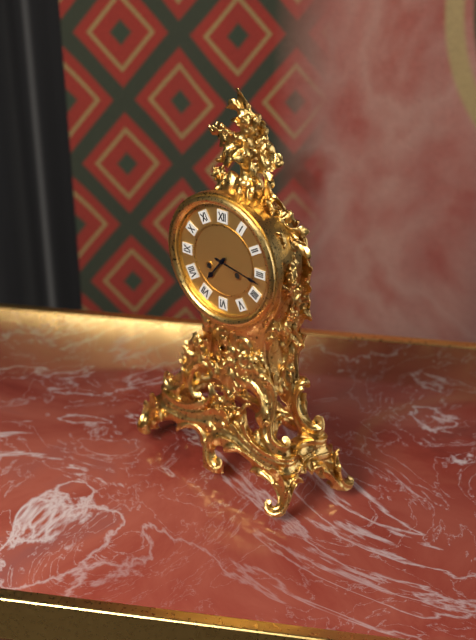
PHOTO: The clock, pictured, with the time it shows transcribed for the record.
7:17
